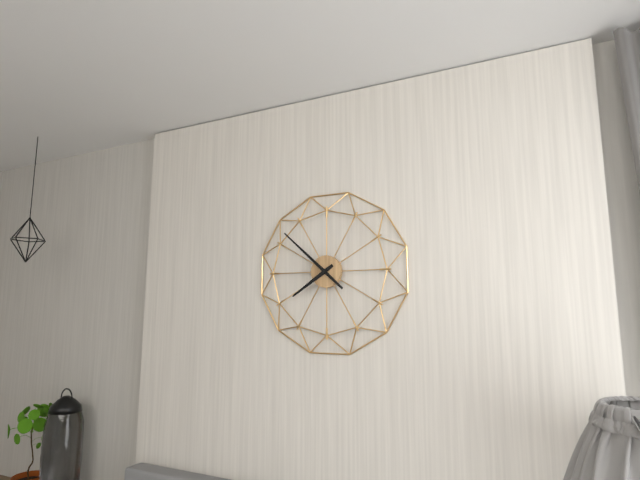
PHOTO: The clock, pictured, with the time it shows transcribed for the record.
7:52
